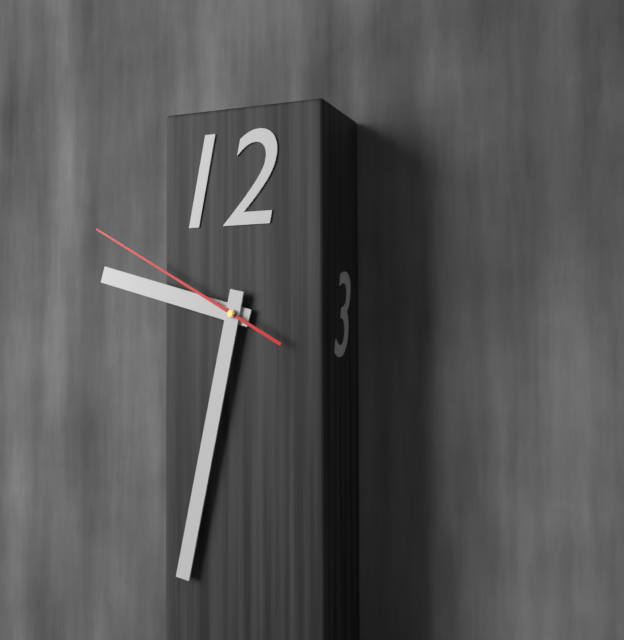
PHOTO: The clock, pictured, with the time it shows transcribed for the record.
9:32:50
